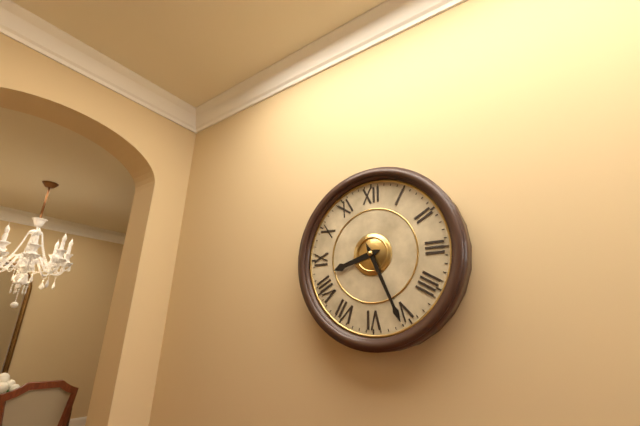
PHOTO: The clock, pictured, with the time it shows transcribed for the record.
8:26
